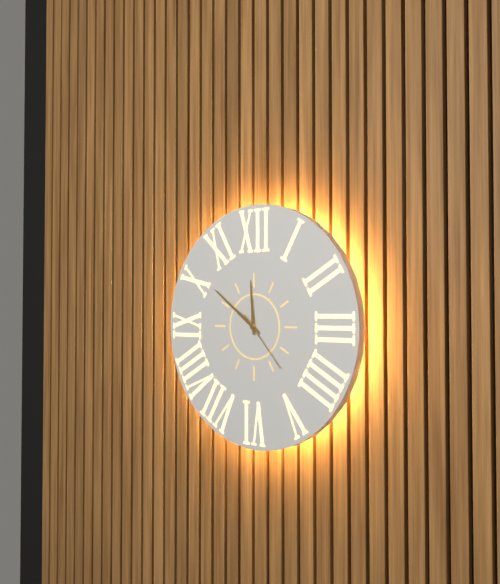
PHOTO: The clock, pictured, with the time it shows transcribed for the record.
11:51:23
